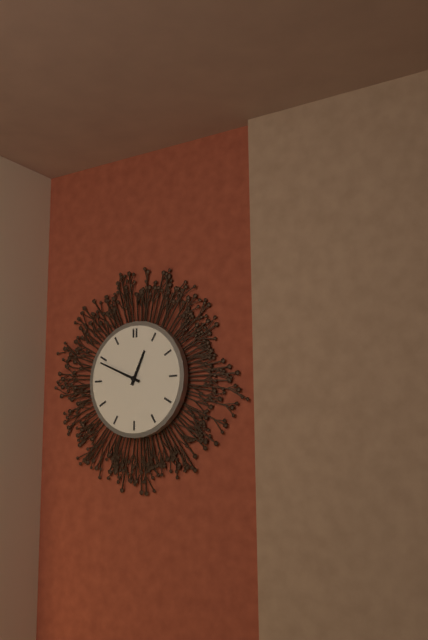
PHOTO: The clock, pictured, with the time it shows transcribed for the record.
12:49
